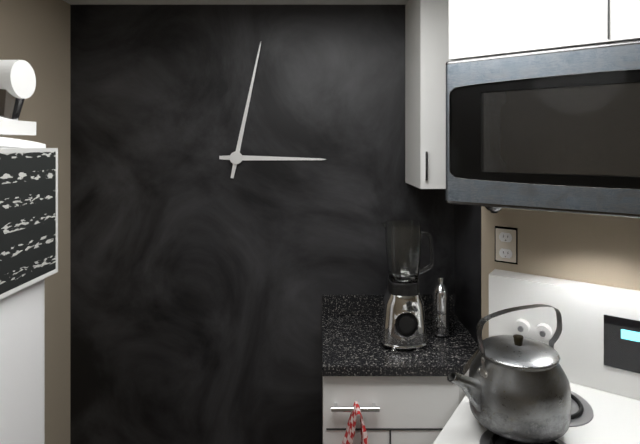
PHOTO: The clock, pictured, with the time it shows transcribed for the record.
3:02
